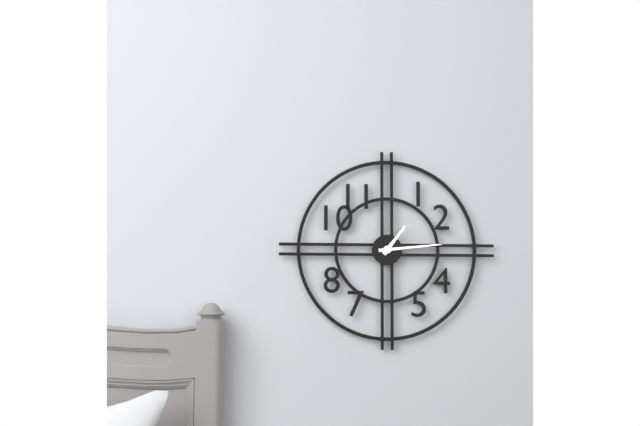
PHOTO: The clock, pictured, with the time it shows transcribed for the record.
1:14
